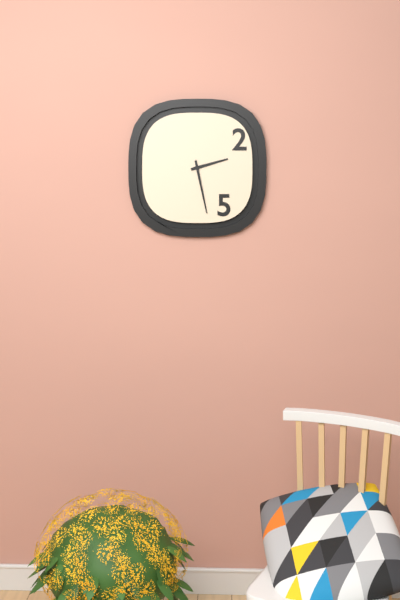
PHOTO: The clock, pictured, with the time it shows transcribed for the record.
2:28
